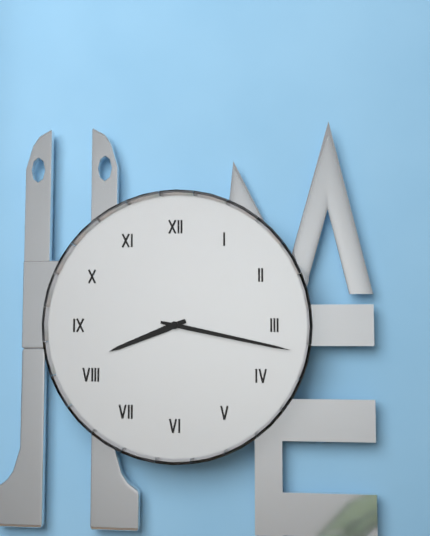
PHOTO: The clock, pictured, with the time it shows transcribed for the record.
8:17
